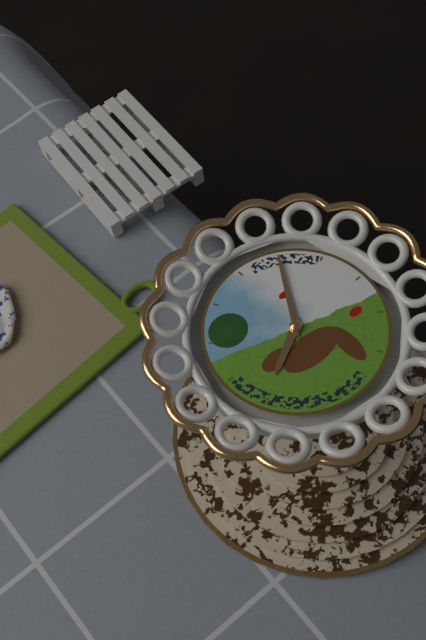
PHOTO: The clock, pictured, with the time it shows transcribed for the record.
8:05
